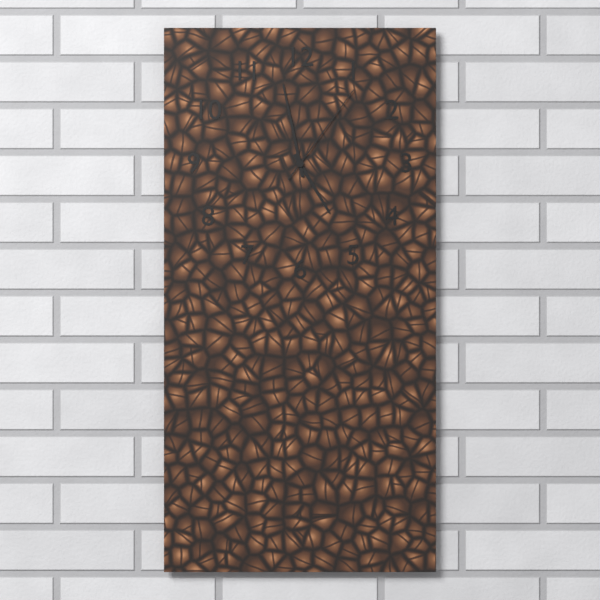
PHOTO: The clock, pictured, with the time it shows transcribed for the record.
4:58:06
